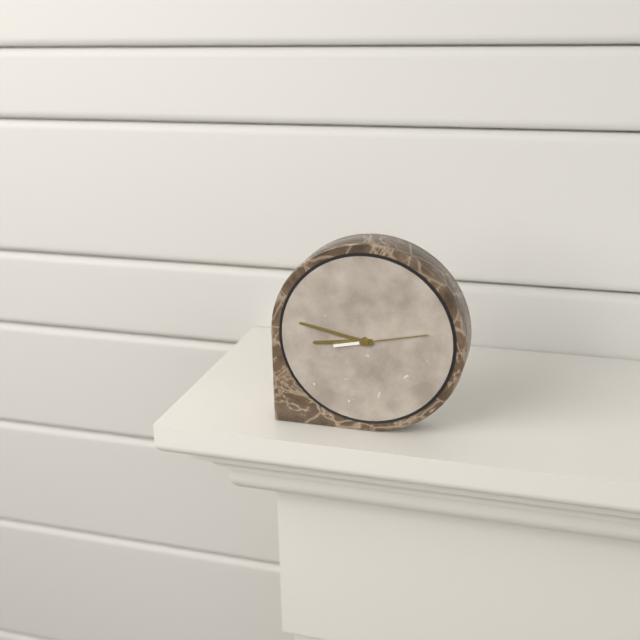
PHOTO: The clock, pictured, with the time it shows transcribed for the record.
8:47:13
